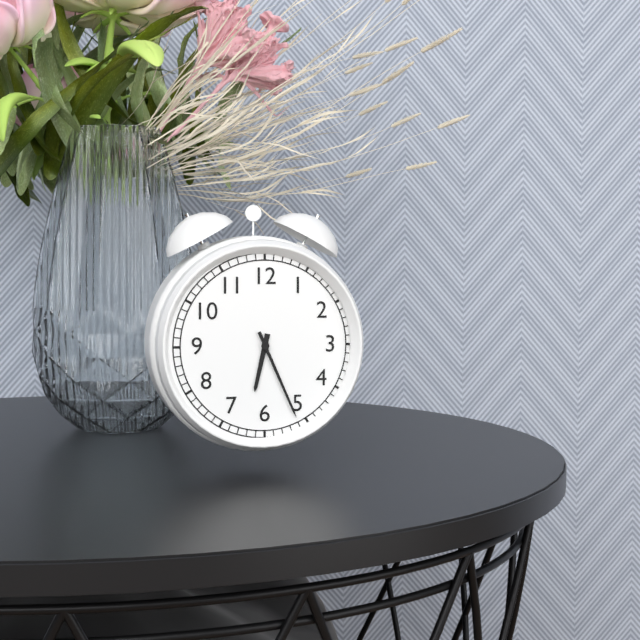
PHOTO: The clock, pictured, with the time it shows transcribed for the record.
6:26
